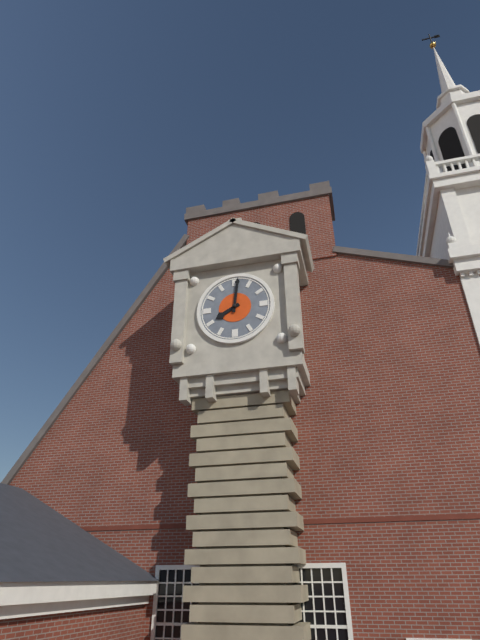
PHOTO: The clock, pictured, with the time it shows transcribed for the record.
8:01
